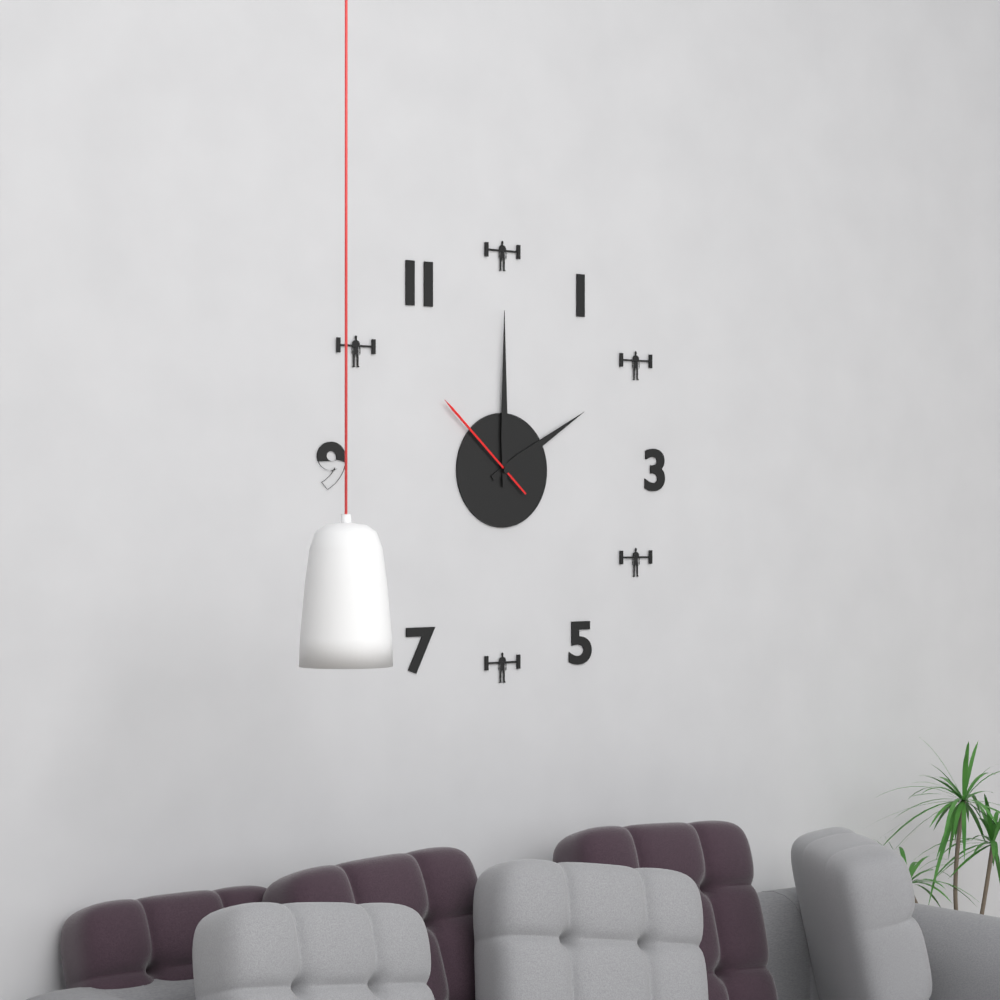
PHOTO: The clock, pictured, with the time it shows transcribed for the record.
2:00:52
